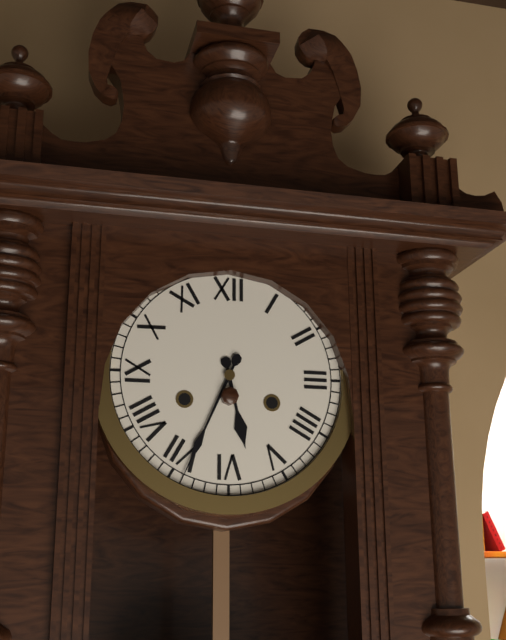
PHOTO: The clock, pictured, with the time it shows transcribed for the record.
5:34
